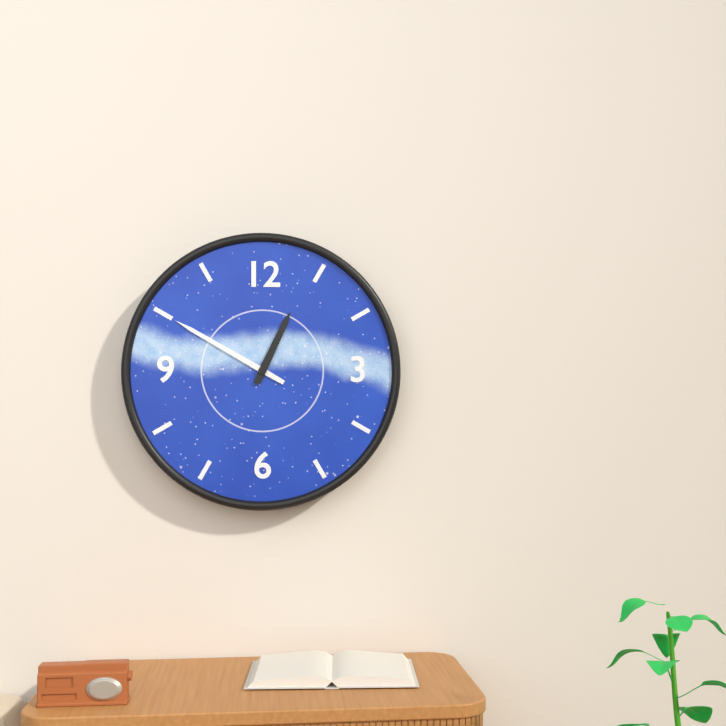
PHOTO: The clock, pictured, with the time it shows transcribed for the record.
12:50
